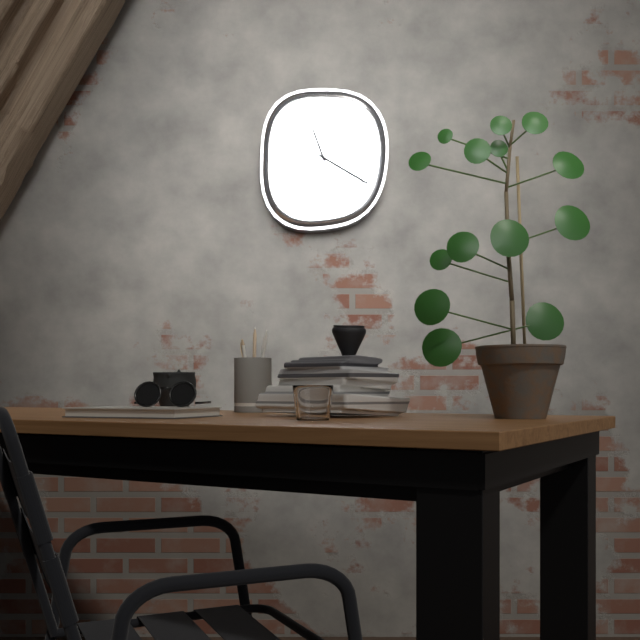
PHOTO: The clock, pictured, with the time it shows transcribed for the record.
11:20
